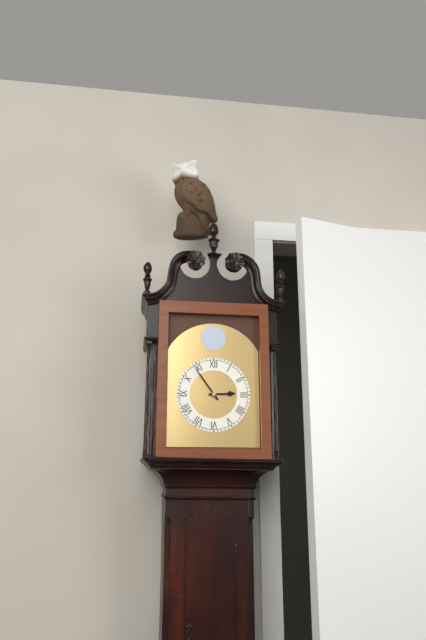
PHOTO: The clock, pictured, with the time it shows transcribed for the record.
2:54
